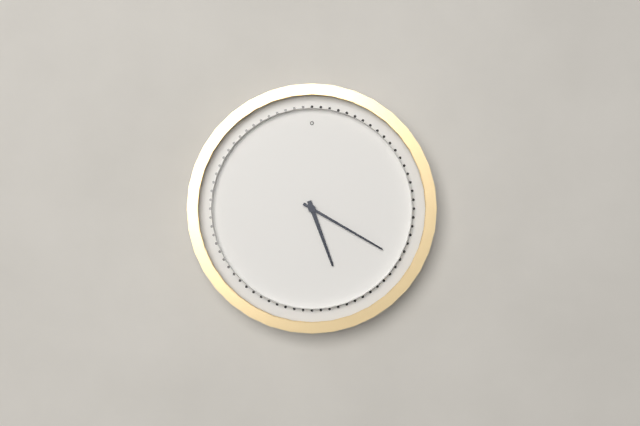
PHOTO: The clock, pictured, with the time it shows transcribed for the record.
5:20
